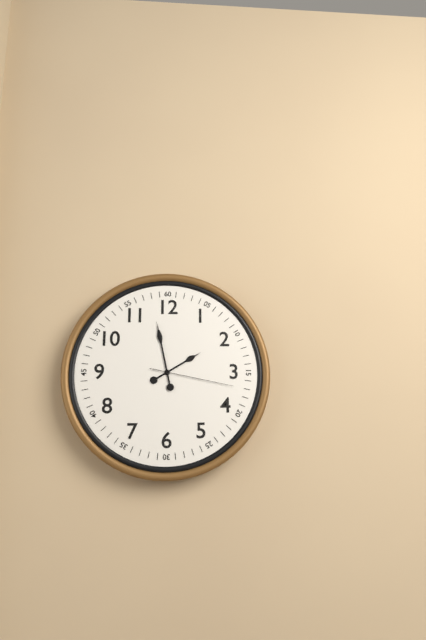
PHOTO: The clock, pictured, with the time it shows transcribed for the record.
1:58:17
